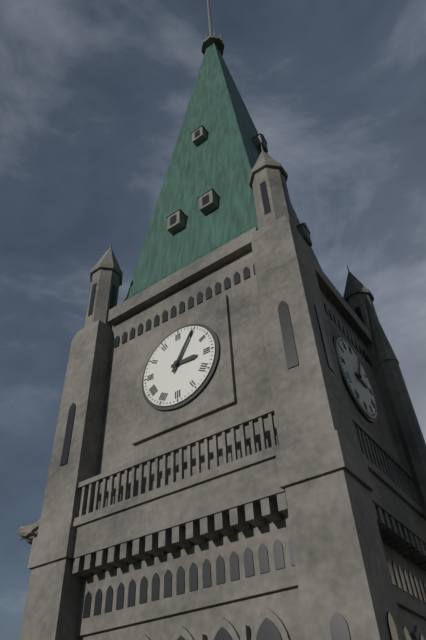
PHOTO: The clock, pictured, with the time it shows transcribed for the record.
3:05
